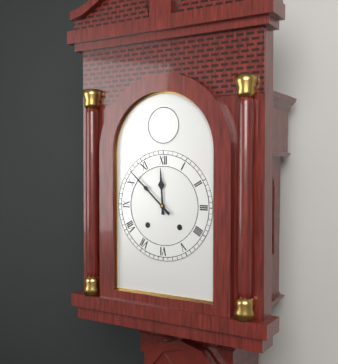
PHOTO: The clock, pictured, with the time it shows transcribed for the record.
11:52
